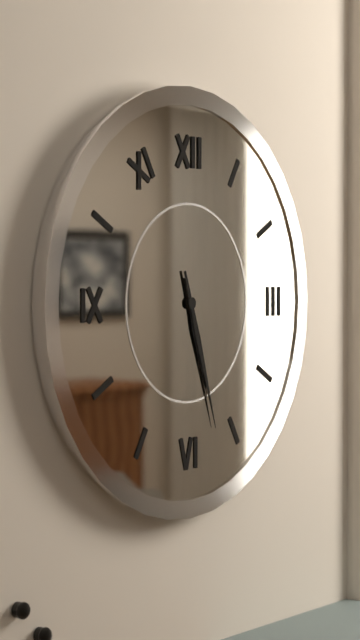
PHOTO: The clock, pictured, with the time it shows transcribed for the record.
5:27
